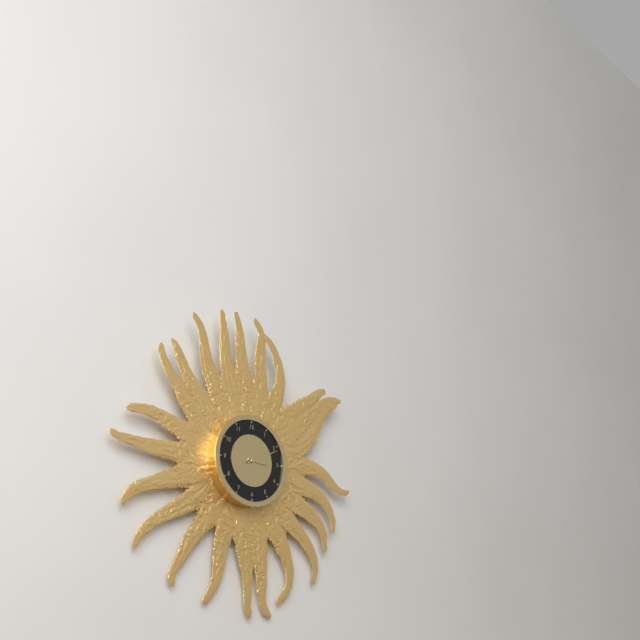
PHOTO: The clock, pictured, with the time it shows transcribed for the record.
3:11
